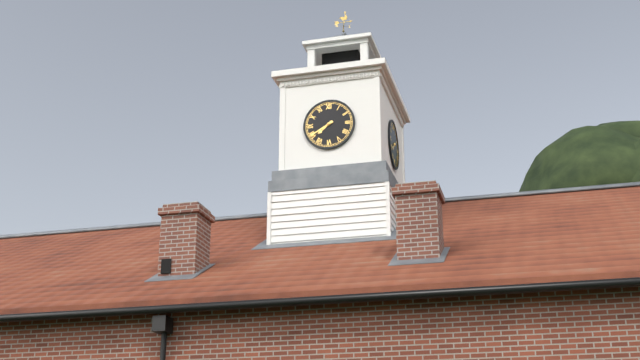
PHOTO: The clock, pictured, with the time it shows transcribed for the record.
7:40
